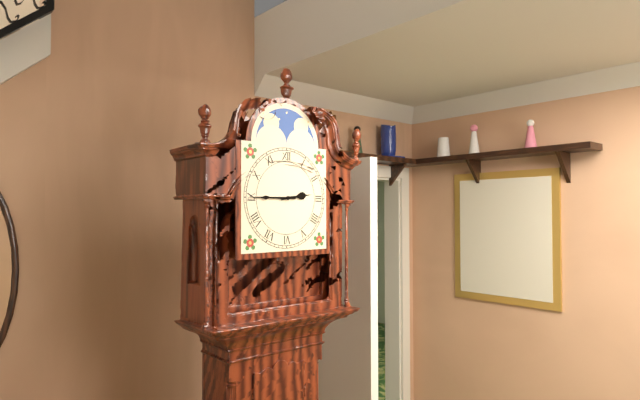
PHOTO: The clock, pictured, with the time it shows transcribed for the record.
2:45
